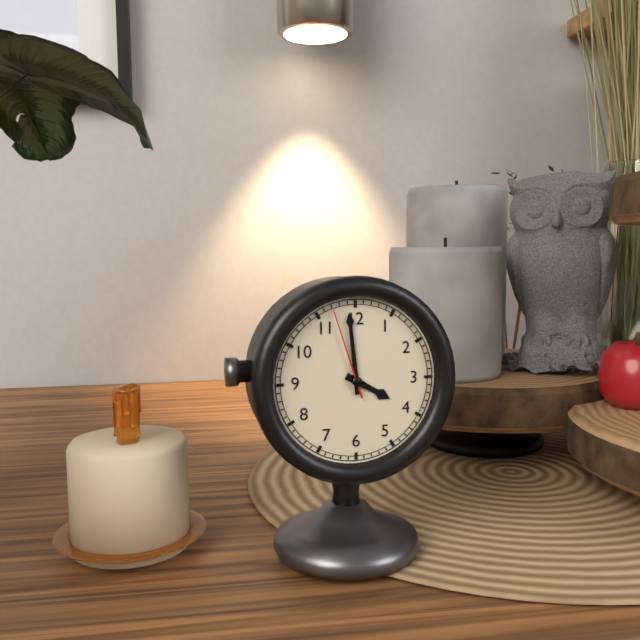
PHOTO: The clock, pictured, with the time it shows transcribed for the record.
3:59:57
